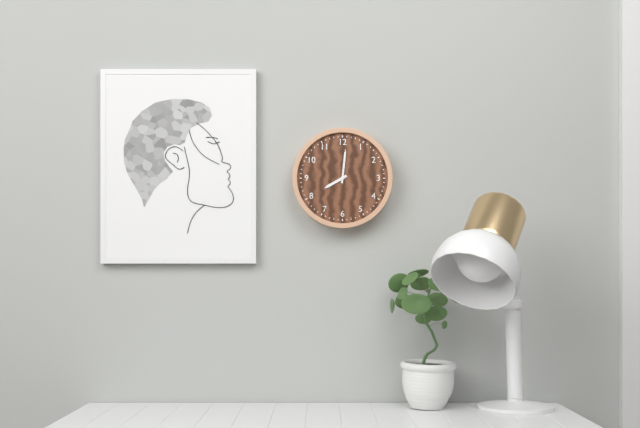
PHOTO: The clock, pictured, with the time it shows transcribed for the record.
8:01
